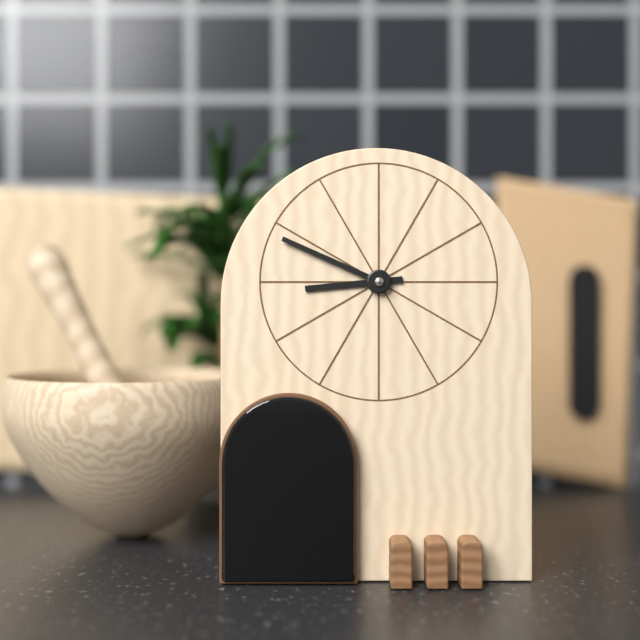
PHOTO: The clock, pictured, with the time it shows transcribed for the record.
8:49
